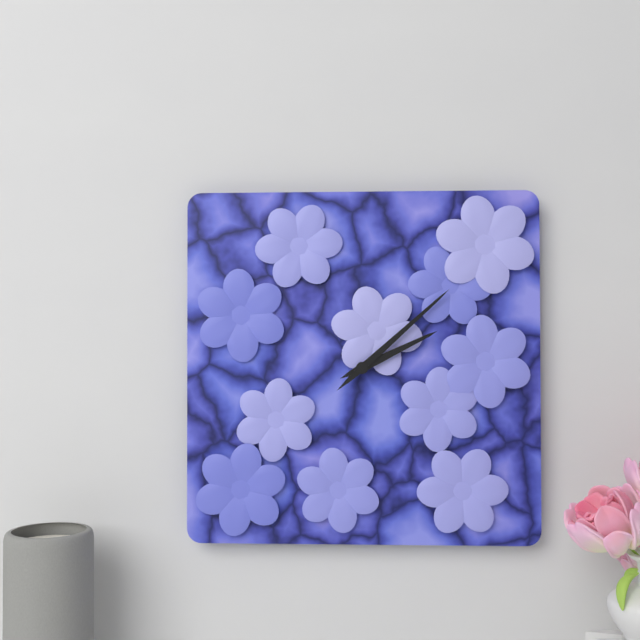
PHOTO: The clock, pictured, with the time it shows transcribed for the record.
2:08
